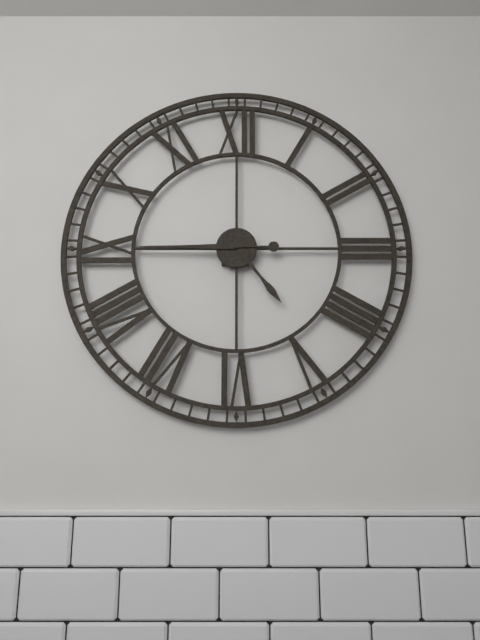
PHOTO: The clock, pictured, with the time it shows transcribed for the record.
4:45
